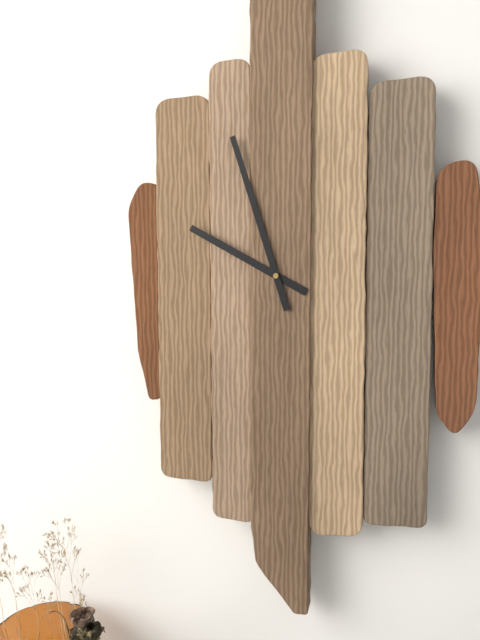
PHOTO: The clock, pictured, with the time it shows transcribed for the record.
9:57
